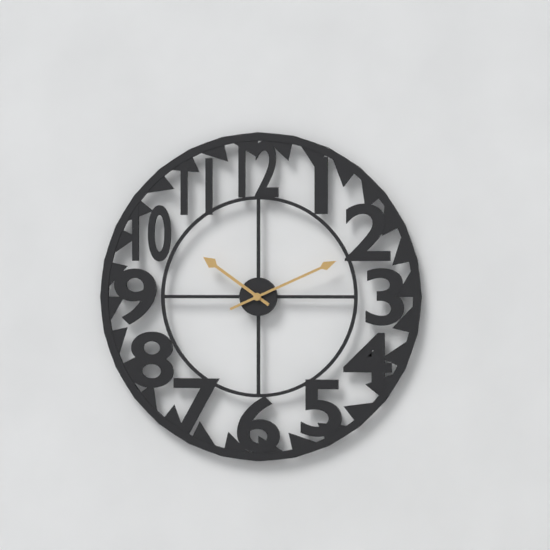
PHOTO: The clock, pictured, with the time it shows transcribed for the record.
10:11
